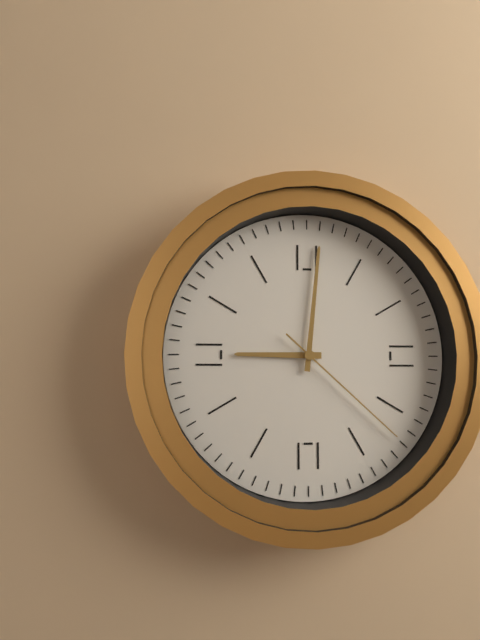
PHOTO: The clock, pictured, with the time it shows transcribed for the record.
9:01:22
